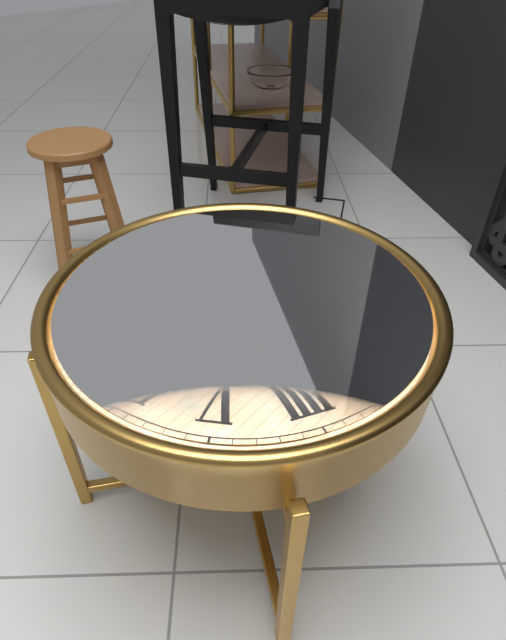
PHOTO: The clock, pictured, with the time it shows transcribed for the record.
1:06
